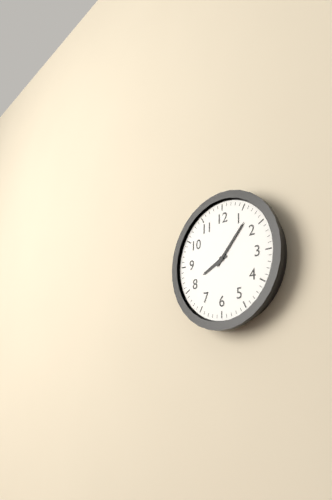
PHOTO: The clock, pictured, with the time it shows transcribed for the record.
8:07
